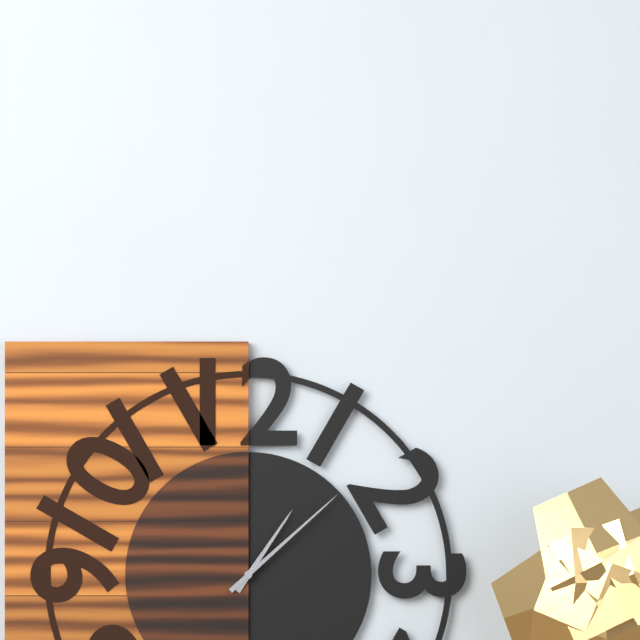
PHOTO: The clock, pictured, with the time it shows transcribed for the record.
1:08
